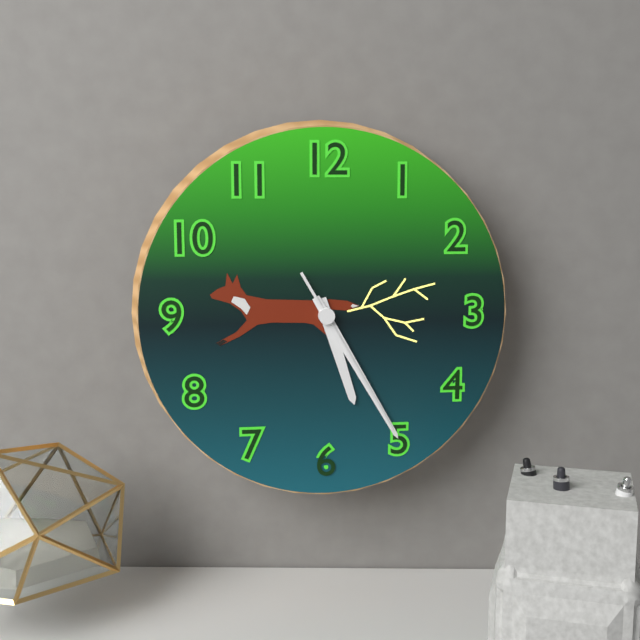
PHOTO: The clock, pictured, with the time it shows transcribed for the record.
5:25:25
